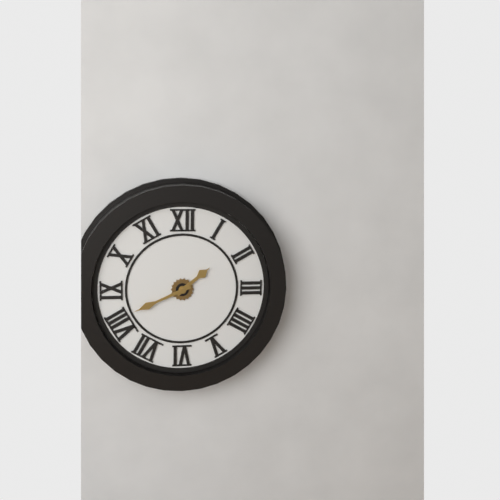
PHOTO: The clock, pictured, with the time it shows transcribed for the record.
1:41
